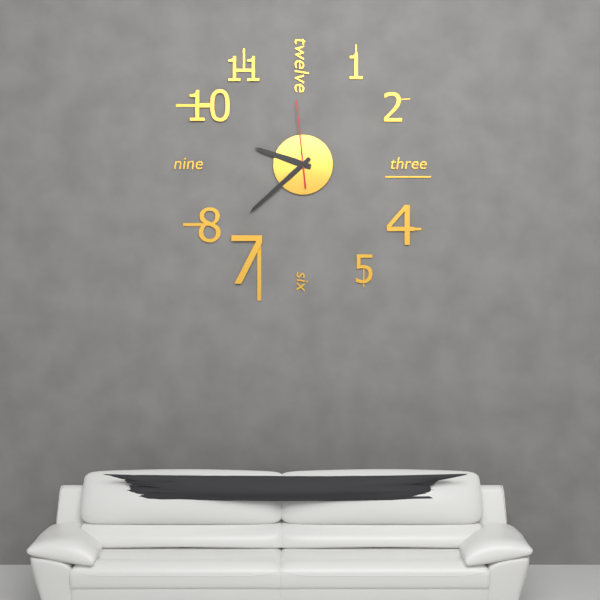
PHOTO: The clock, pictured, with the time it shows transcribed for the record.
9:38:59
